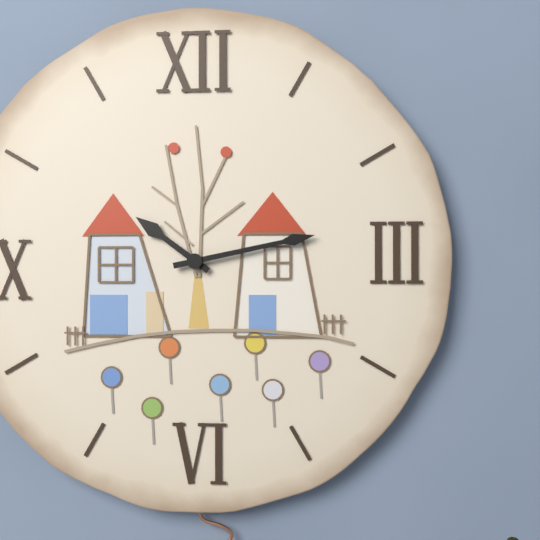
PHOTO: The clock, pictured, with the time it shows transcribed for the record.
10:13
